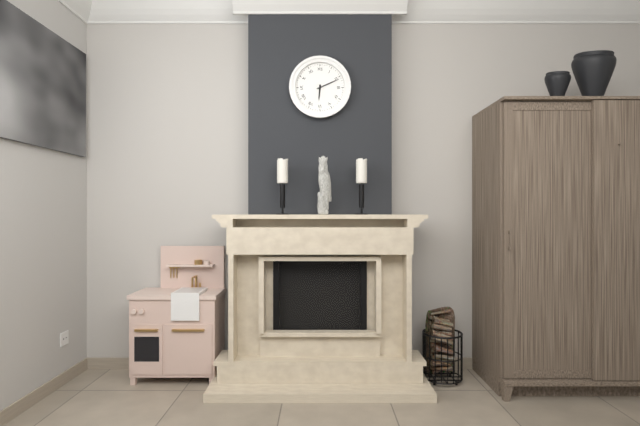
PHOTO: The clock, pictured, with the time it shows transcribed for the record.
6:11
